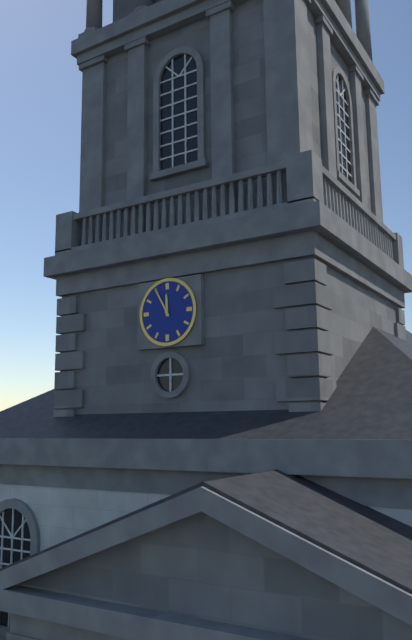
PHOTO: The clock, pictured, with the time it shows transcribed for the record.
11:55
